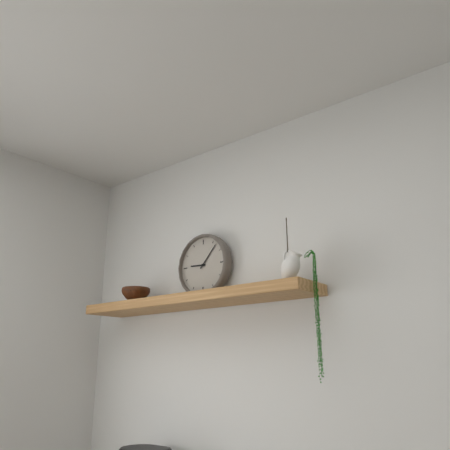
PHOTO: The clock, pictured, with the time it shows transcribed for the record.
9:07
